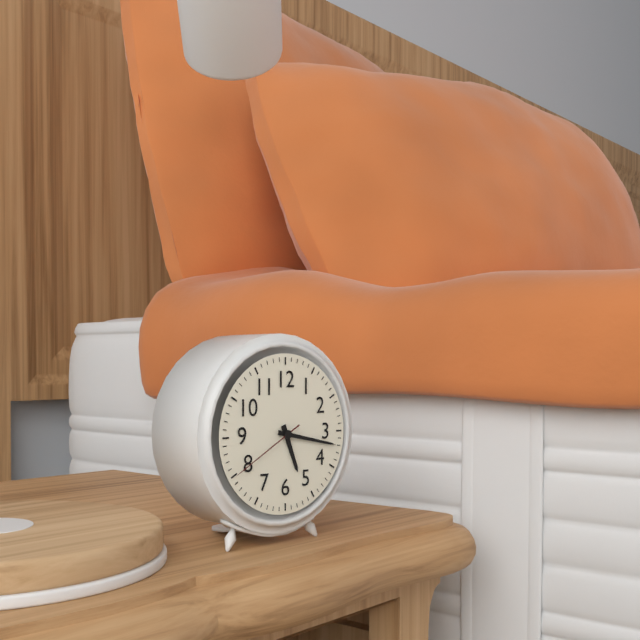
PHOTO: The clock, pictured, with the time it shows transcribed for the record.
5:17:40
